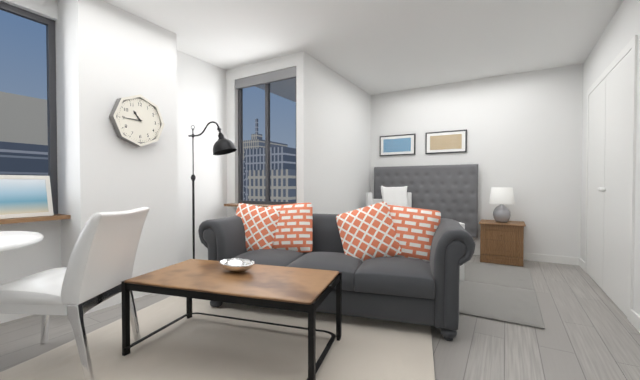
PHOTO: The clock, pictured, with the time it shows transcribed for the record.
10:45
